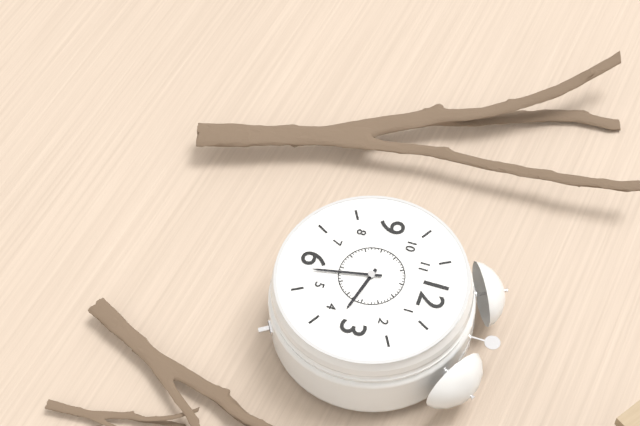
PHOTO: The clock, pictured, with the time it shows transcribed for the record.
3:28
